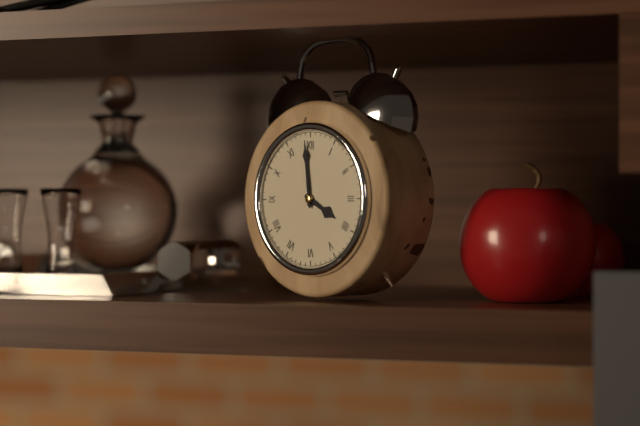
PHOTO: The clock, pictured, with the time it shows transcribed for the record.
3:59
